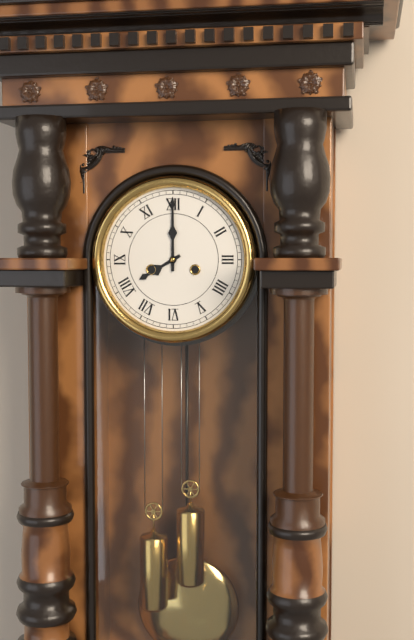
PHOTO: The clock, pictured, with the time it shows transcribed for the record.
8:00
